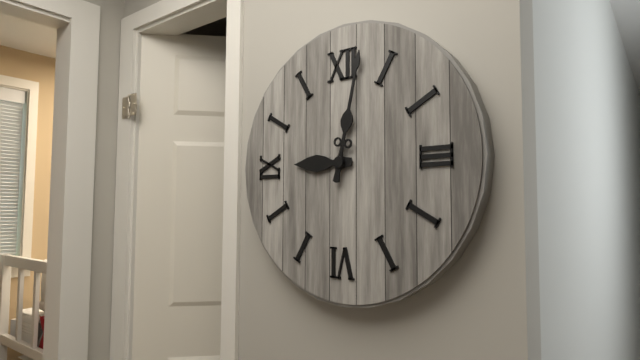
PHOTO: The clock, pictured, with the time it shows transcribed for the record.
9:02
